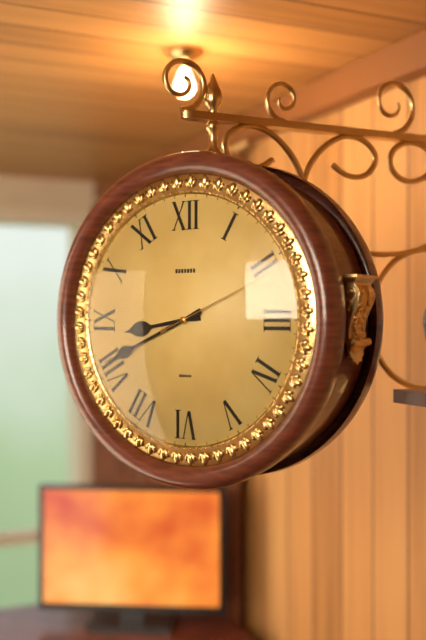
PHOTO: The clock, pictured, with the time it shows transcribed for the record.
8:41:11
